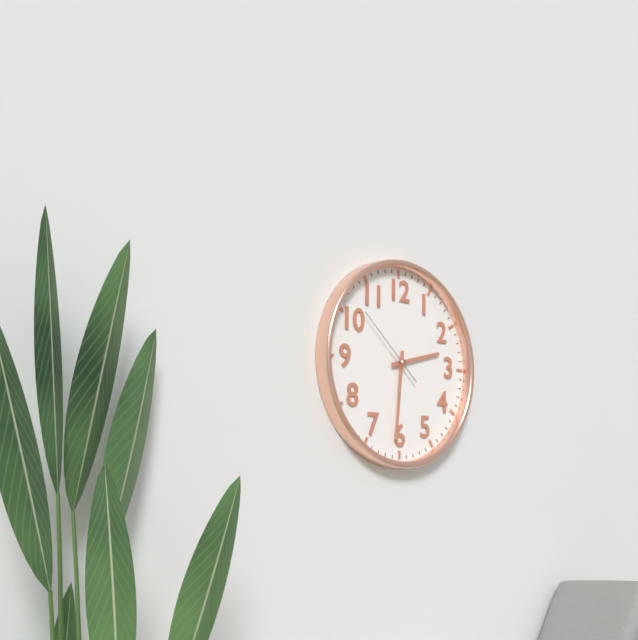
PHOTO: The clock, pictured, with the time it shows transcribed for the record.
2:31:52
